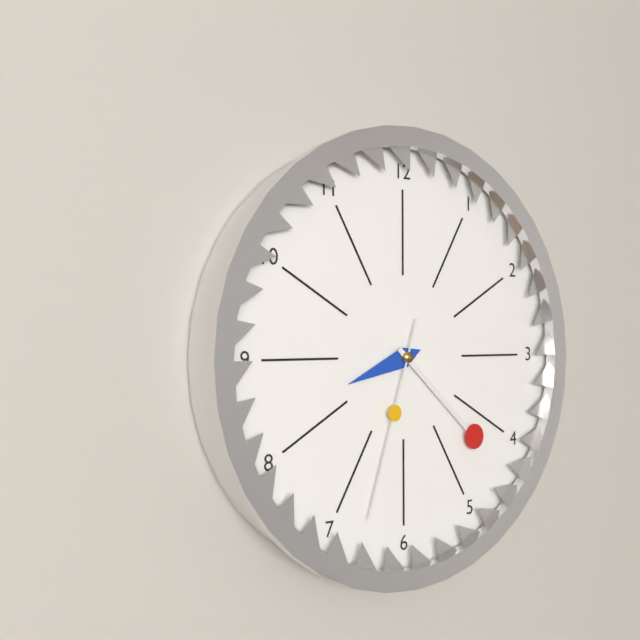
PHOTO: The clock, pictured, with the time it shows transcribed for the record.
8:22:33
